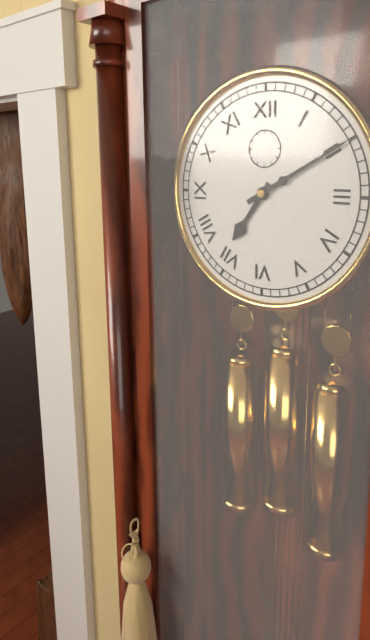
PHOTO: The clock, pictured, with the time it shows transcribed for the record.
7:10
